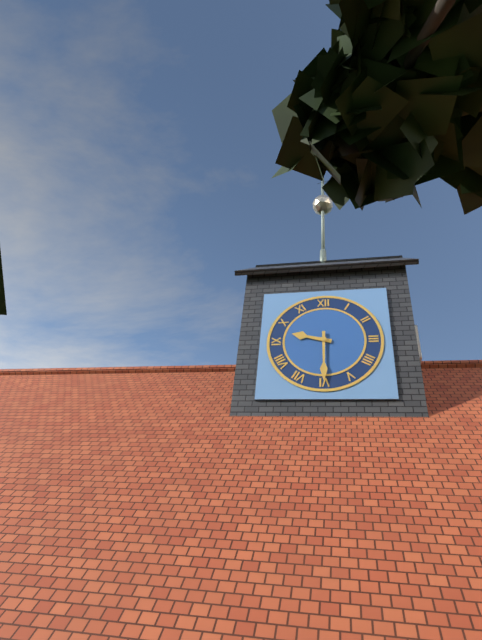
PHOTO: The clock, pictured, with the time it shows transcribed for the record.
9:30
